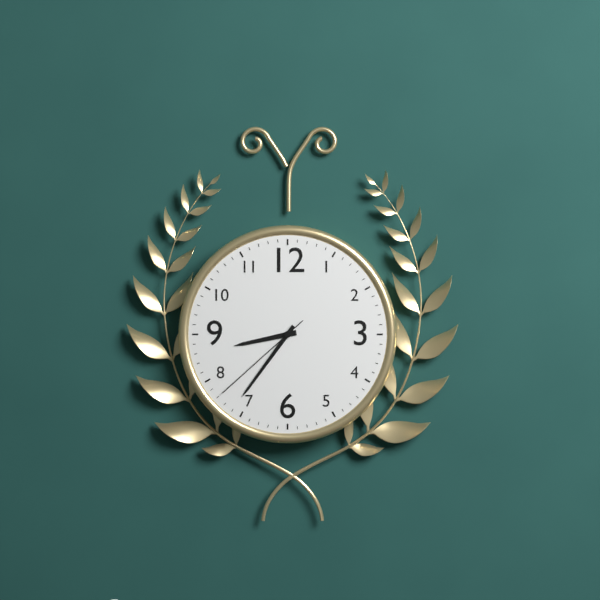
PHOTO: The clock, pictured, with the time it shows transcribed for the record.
8:36:38
